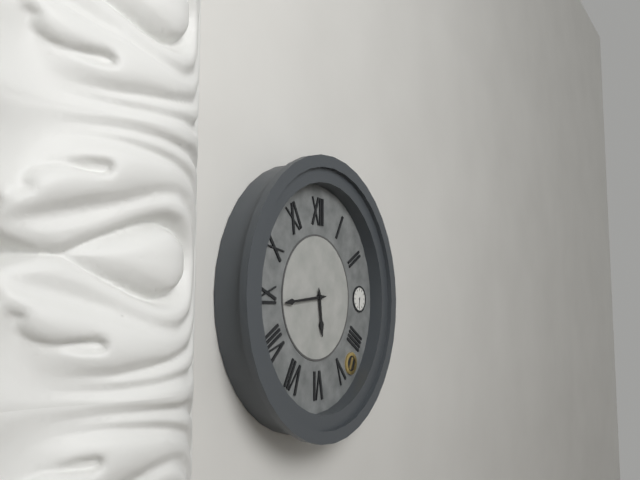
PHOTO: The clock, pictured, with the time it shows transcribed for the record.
5:44
